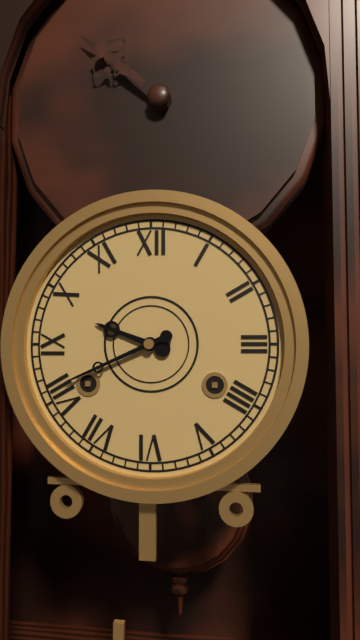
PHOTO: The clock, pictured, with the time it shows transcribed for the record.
9:41
